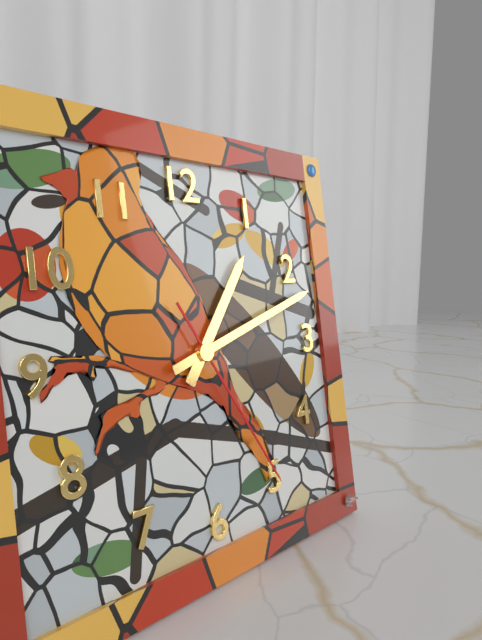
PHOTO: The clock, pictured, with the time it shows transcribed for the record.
1:12:25
